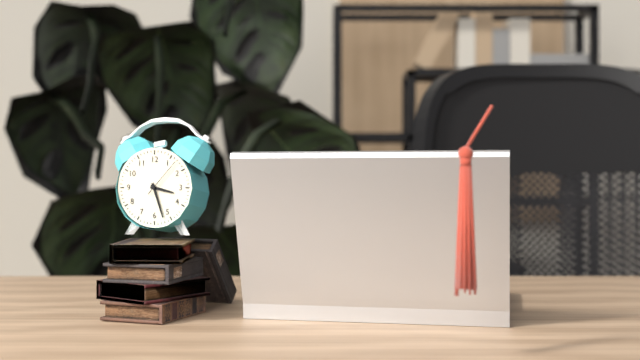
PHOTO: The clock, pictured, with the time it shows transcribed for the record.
3:27
